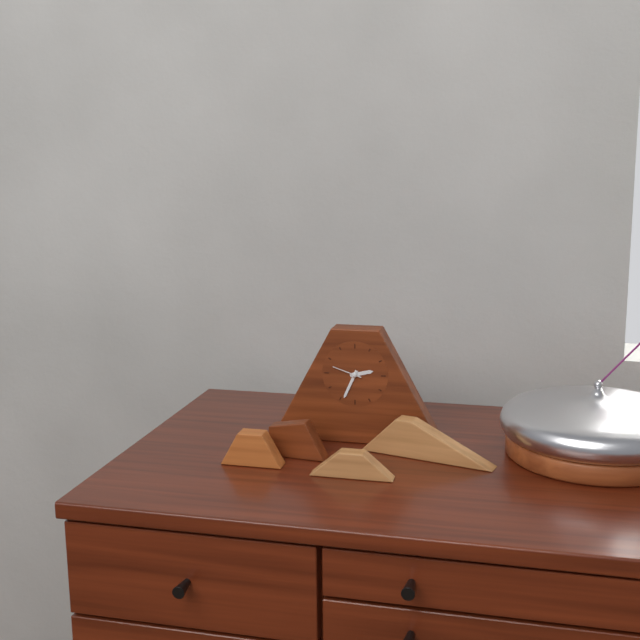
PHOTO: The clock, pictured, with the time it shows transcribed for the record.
2:34
